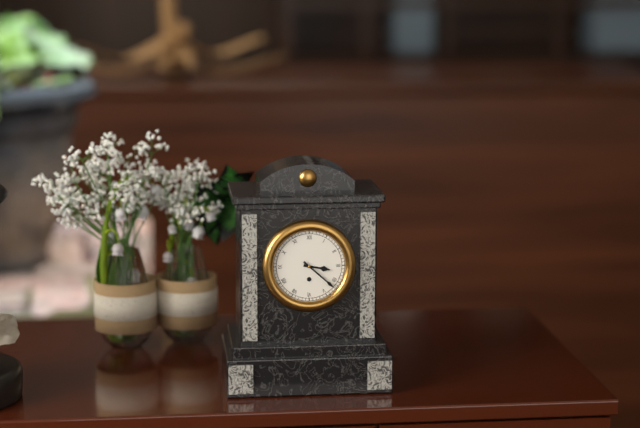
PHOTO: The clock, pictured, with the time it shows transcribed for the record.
3:22
